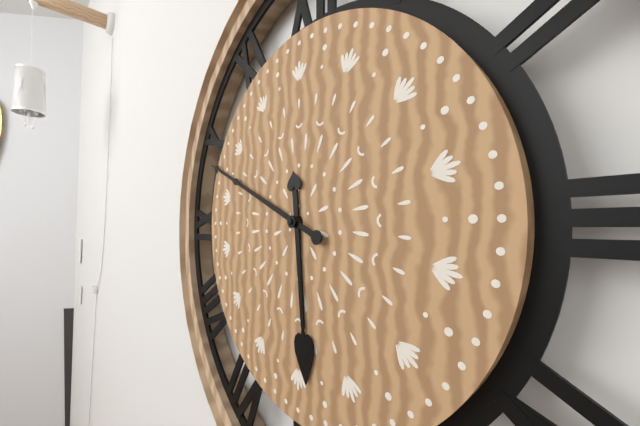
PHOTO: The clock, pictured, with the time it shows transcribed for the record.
5:49
